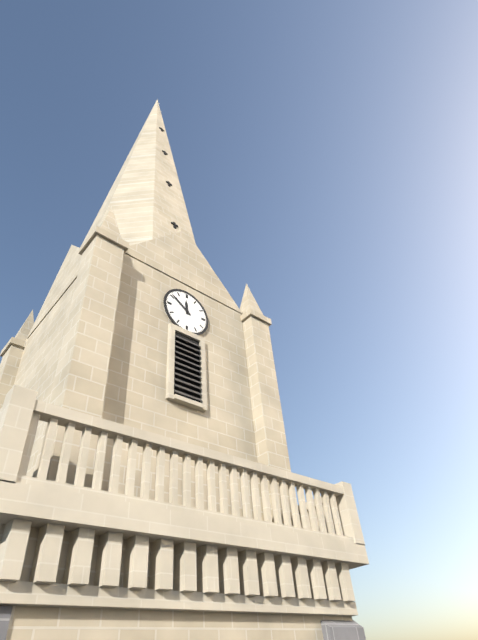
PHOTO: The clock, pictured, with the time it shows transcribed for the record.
11:51
